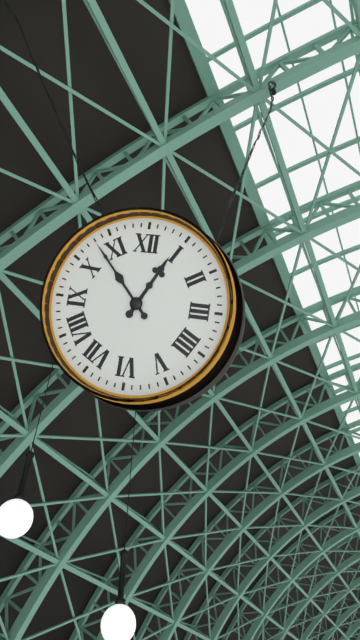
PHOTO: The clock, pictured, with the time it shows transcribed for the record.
12:53
